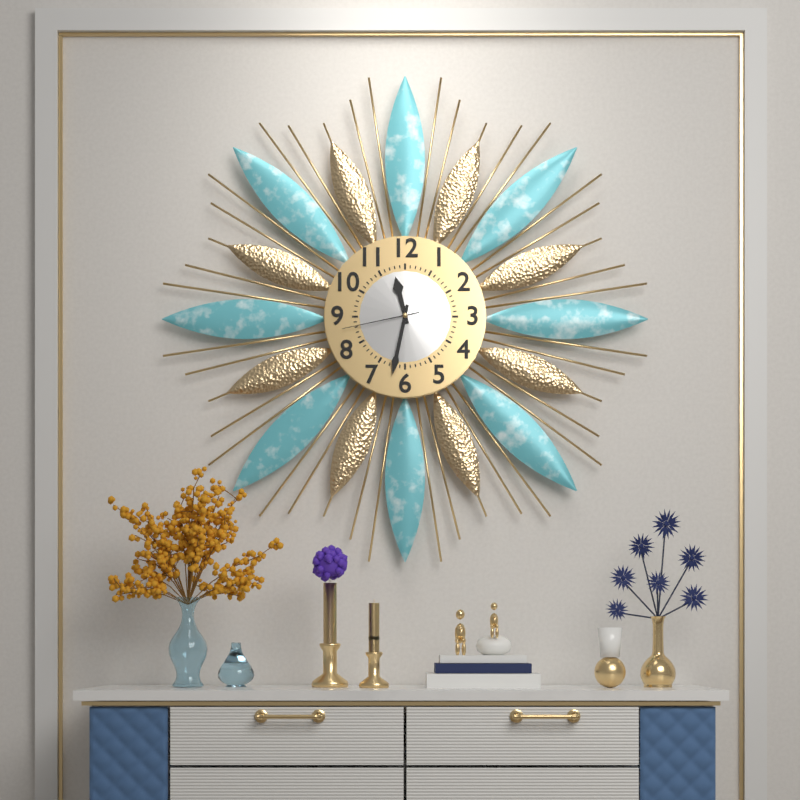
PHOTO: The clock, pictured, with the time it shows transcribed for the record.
11:32:43
